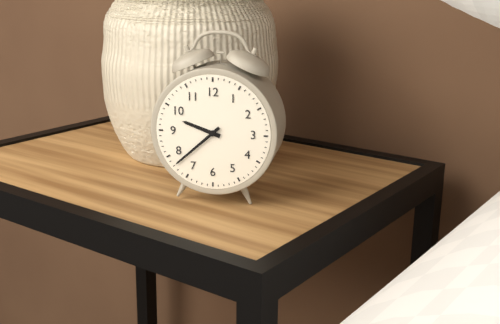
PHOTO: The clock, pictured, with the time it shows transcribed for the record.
9:38
